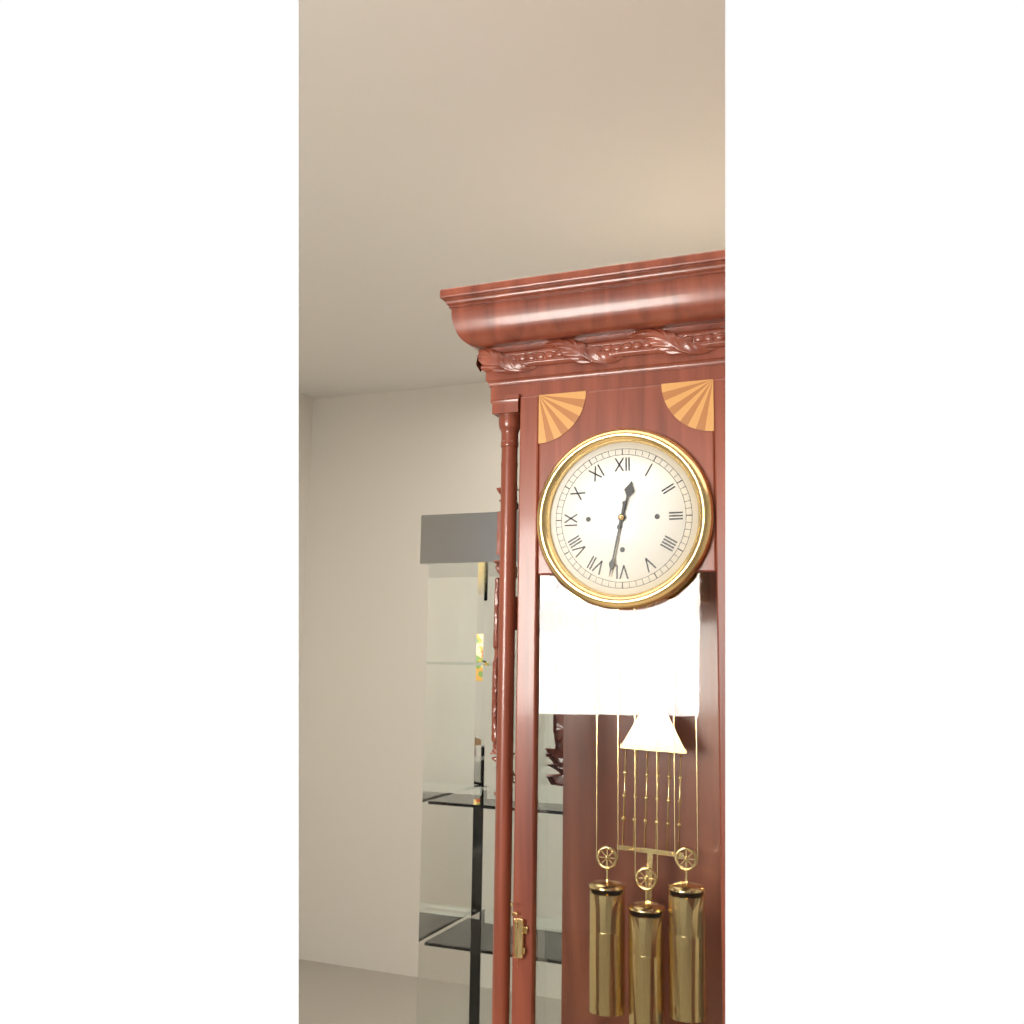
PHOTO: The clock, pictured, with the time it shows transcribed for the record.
12:32
